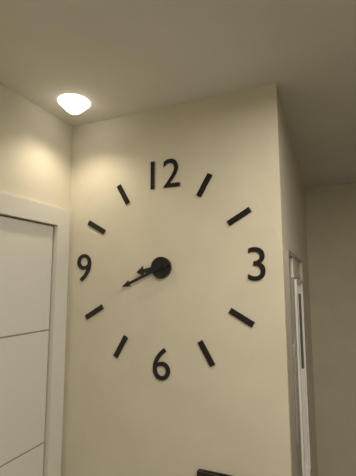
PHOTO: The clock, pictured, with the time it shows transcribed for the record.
8:41
